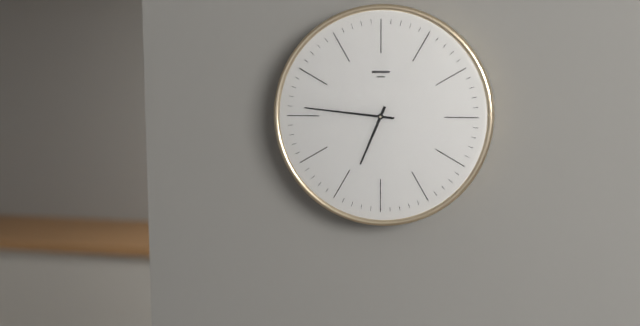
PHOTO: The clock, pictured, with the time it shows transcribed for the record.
6:46
